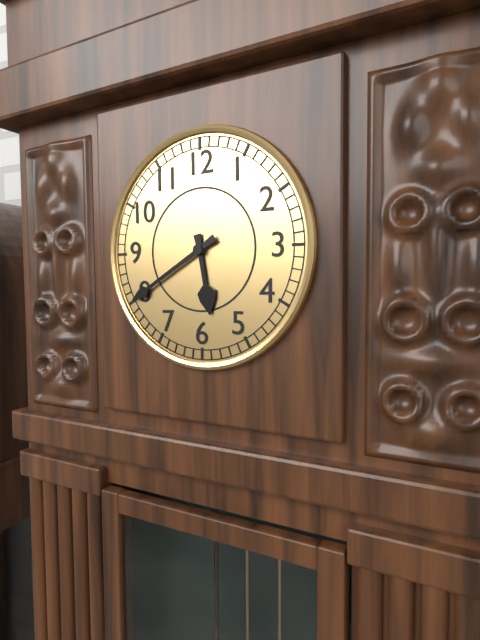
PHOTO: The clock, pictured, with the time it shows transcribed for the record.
5:40
